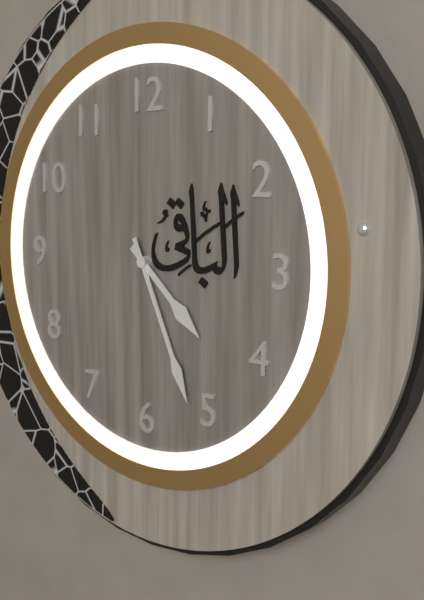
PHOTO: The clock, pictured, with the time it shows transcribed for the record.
4:26
